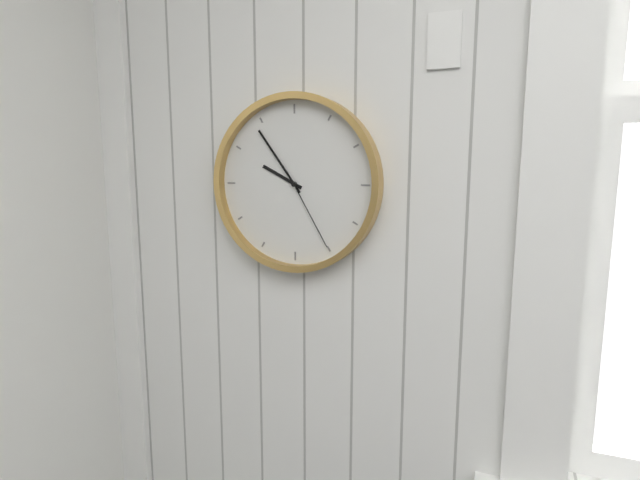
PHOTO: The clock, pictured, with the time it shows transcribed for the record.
9:54:25
